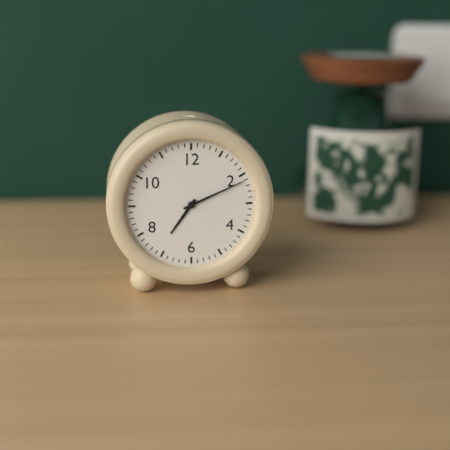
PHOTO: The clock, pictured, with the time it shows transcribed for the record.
7:11
